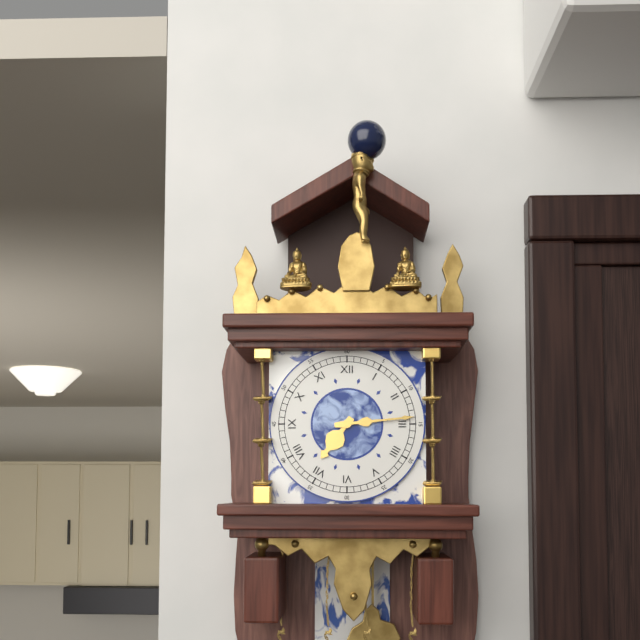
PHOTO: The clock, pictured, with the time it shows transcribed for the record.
7:14
